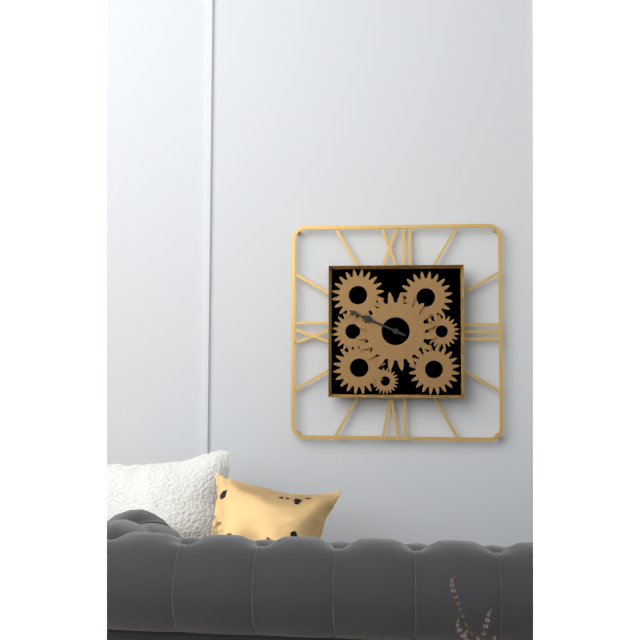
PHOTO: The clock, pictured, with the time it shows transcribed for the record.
9:49
